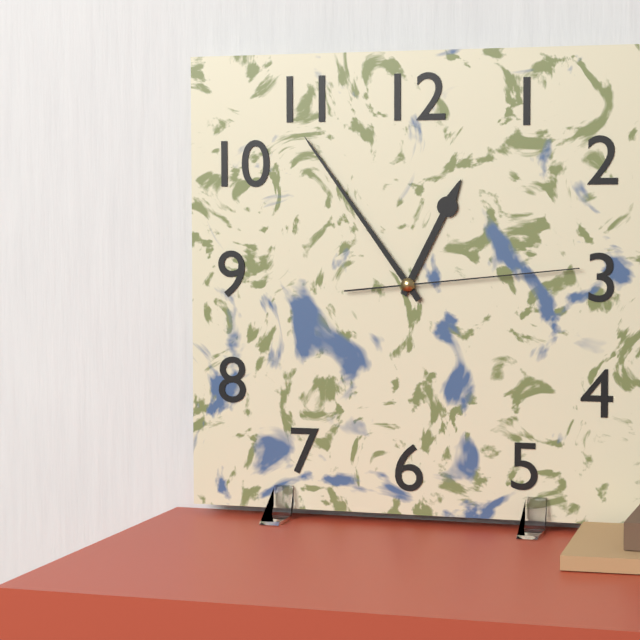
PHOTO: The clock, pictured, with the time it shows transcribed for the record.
12:54:14
